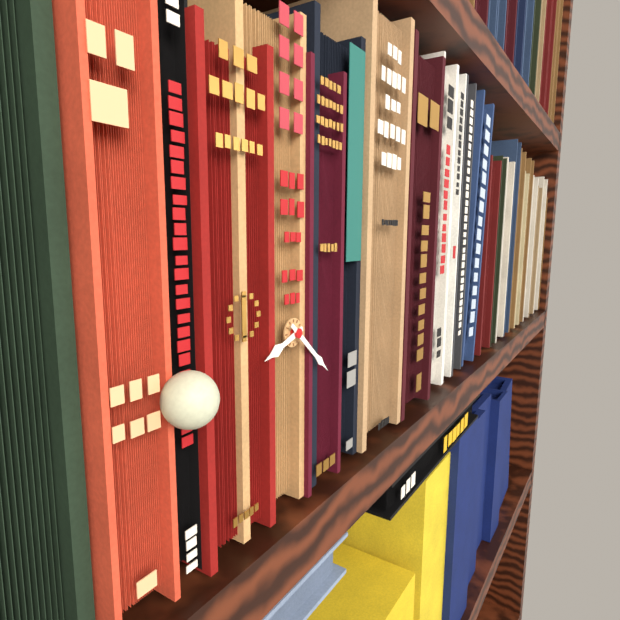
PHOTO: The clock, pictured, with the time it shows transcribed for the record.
8:22
